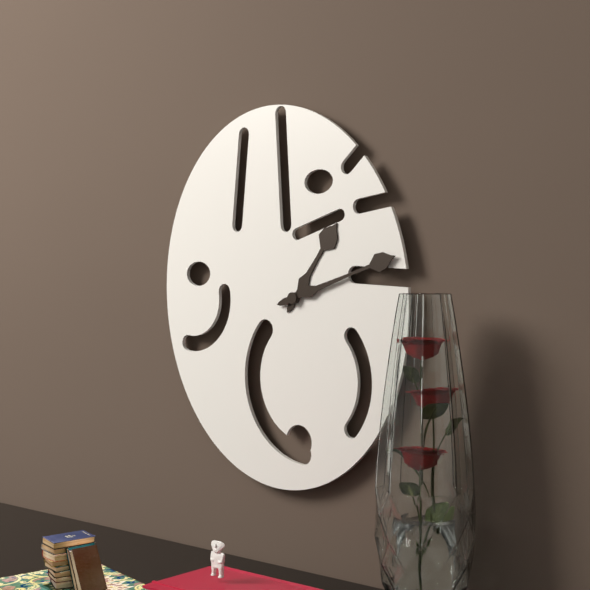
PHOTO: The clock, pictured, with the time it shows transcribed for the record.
1:12
